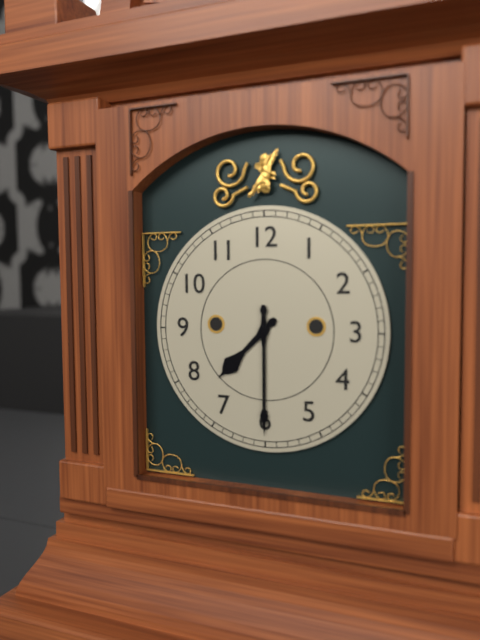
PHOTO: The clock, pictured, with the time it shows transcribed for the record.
7:30
